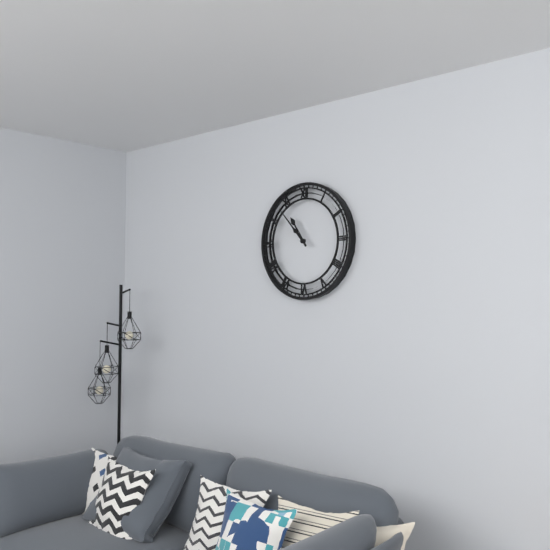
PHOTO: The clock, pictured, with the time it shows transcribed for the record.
10:53
